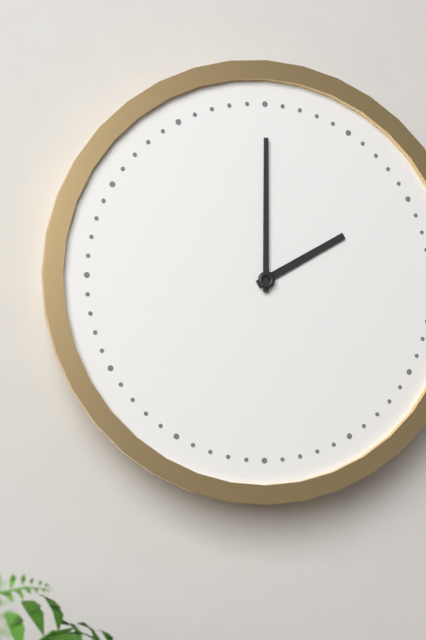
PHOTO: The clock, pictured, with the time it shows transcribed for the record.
2:00
